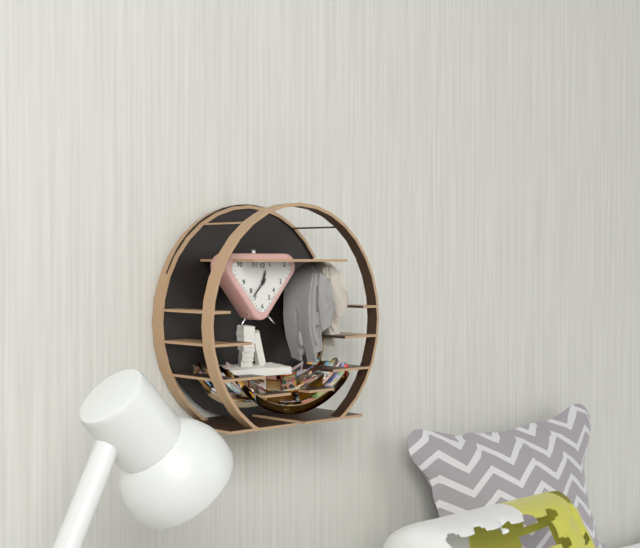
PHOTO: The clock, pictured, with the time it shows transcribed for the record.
12:37
